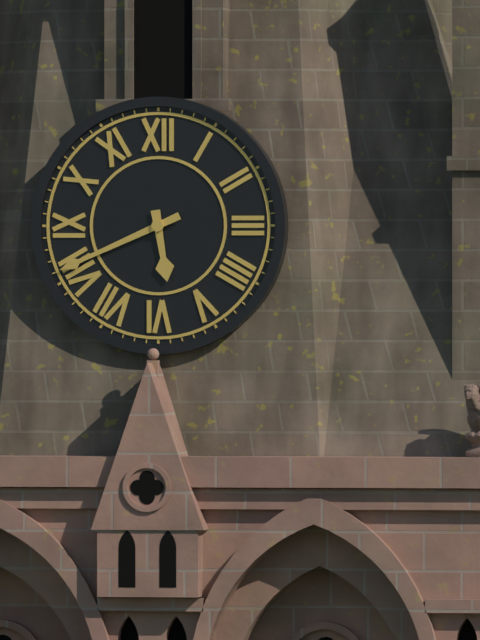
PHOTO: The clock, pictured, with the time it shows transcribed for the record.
5:41
